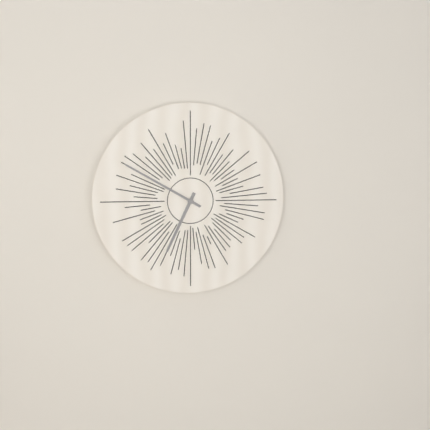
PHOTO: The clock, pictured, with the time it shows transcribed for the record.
6:50
